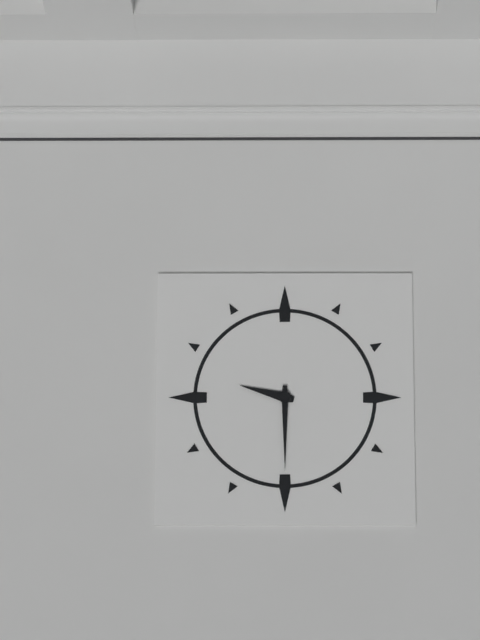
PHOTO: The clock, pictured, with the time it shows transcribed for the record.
9:30
